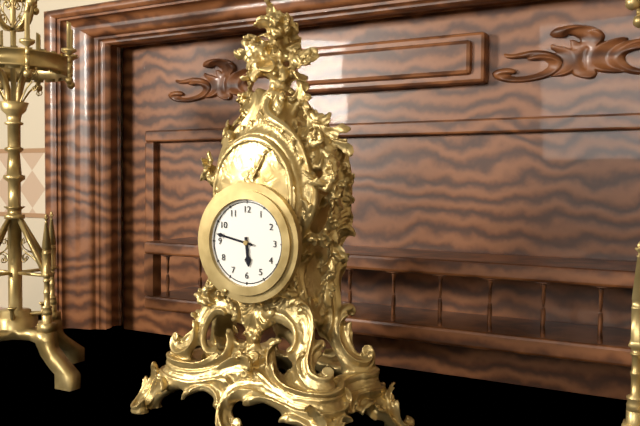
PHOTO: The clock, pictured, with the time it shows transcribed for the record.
5:47
